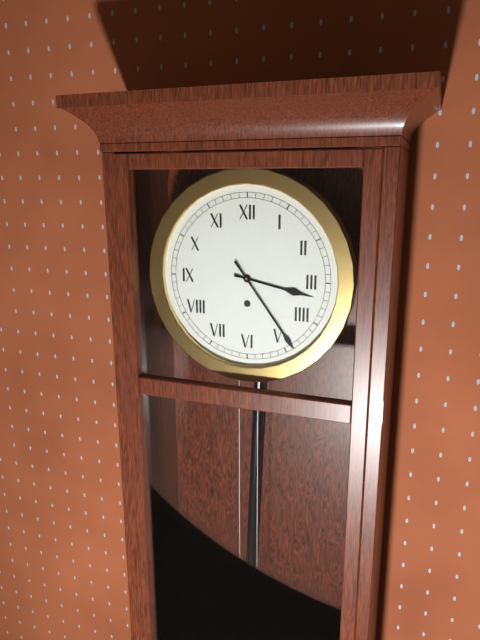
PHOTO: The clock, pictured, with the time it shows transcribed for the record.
3:24
